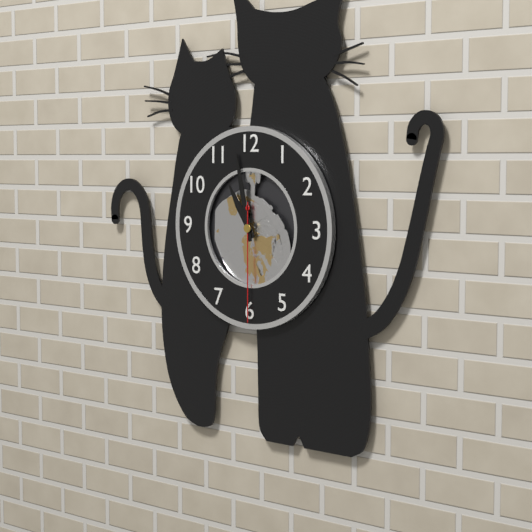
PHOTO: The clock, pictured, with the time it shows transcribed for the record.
10:58:30
